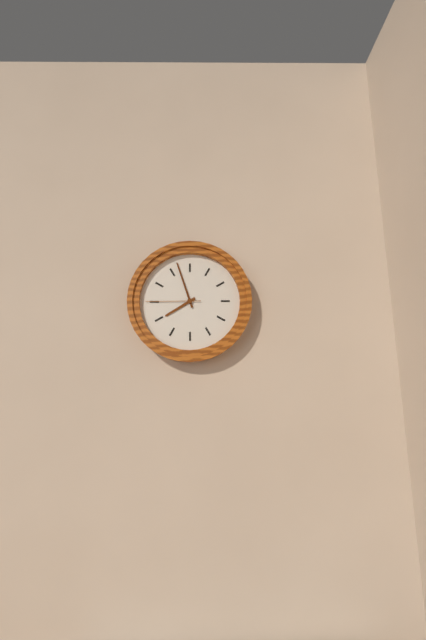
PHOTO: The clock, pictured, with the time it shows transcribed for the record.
7:57:45
